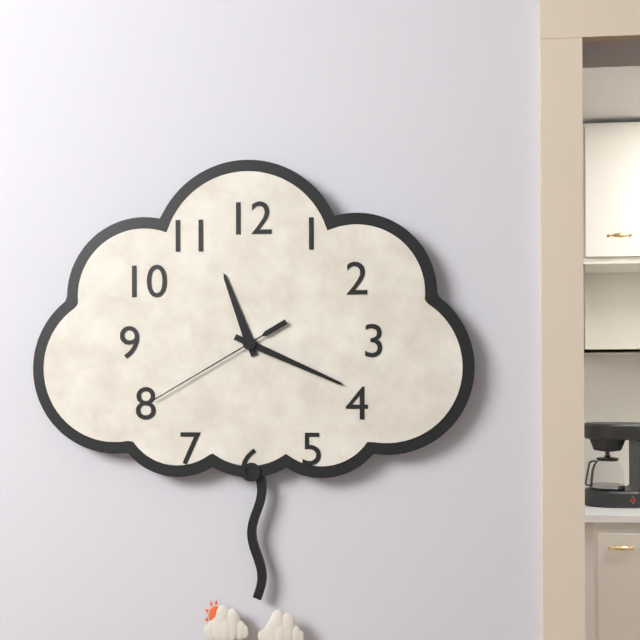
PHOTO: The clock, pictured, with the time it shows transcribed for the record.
11:19:40
